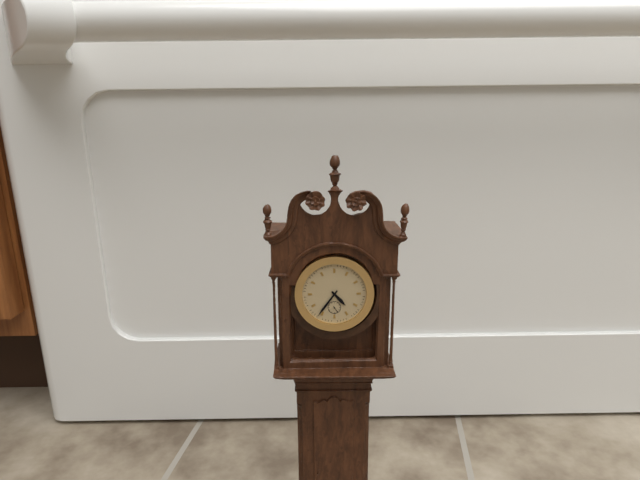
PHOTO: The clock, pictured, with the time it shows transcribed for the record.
4:36
